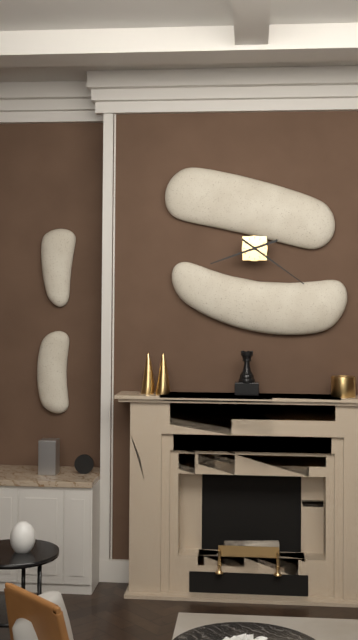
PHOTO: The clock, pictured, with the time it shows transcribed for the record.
8:21
